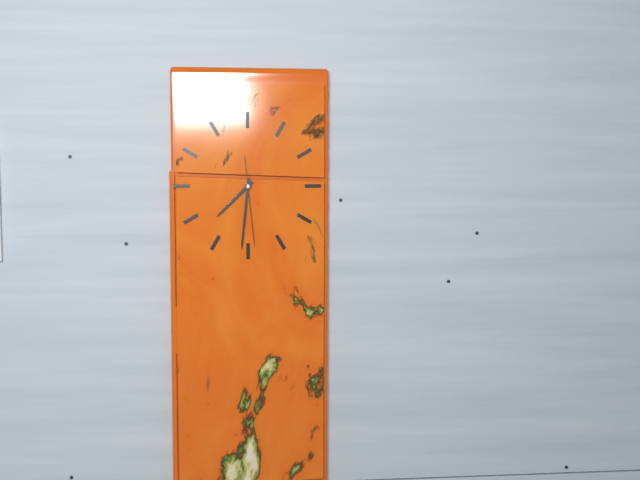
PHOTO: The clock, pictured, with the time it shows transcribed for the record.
7:31:29
